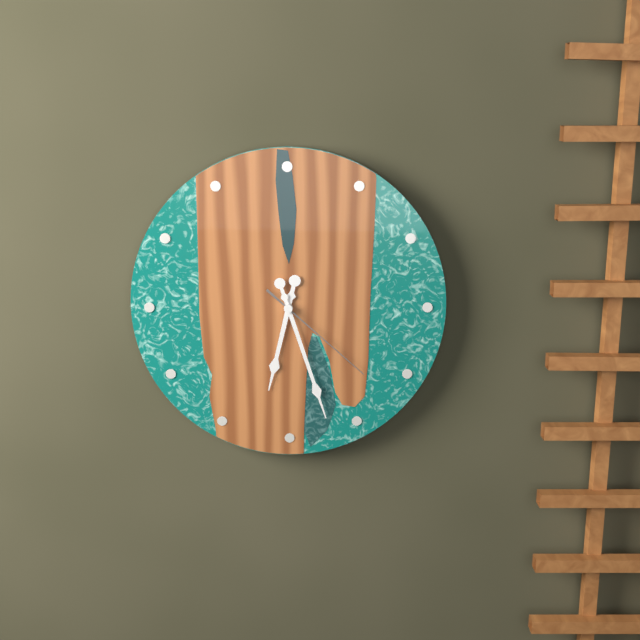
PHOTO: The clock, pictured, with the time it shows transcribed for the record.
6:27:22
